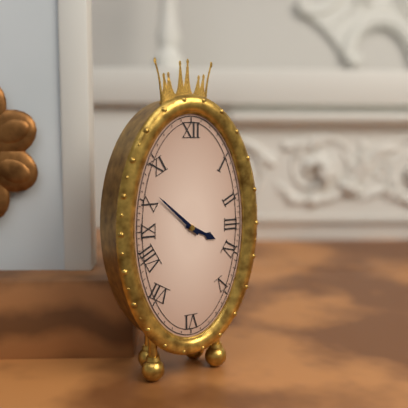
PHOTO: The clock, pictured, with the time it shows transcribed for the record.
3:52
